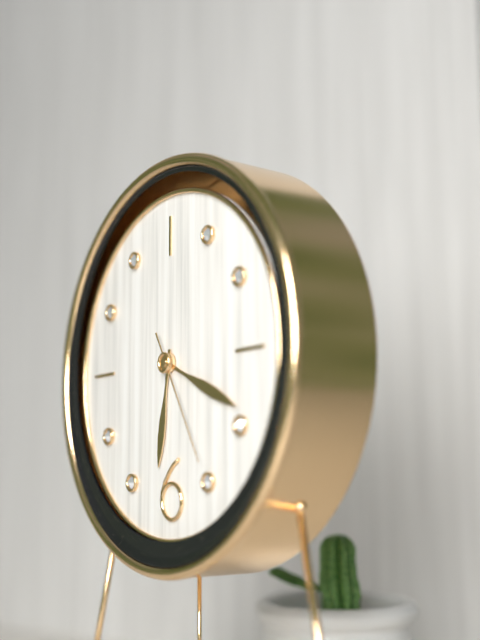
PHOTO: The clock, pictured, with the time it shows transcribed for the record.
6:19:25
